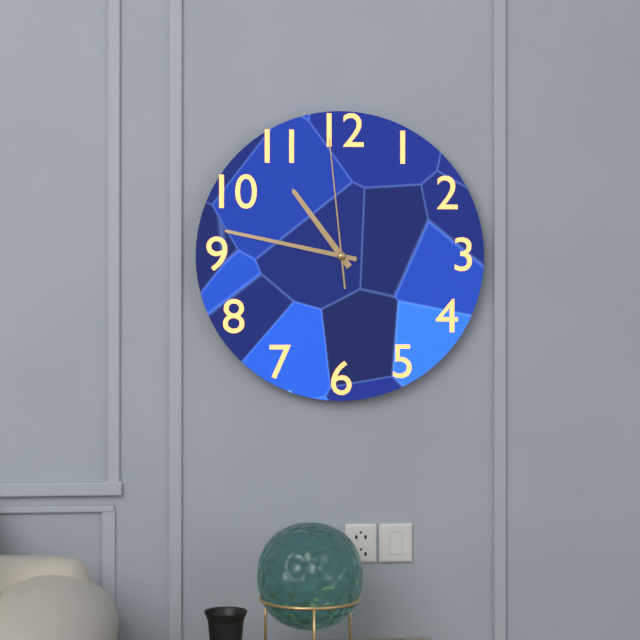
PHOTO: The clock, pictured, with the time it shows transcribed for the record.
10:47:59
